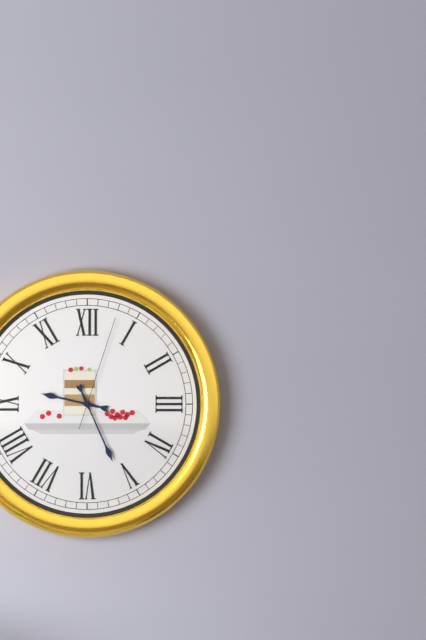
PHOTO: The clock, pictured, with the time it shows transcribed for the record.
9:26:03
